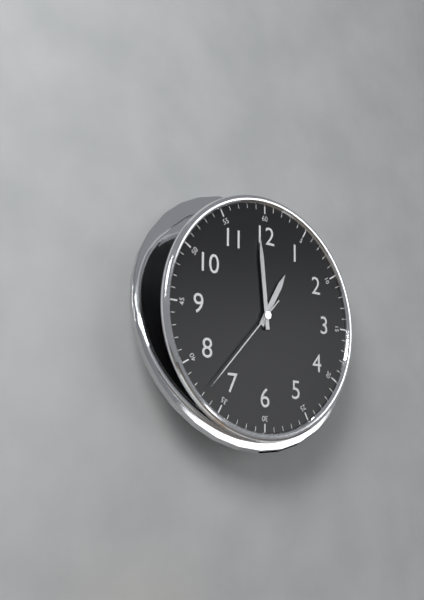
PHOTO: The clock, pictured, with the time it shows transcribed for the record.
12:59:37
